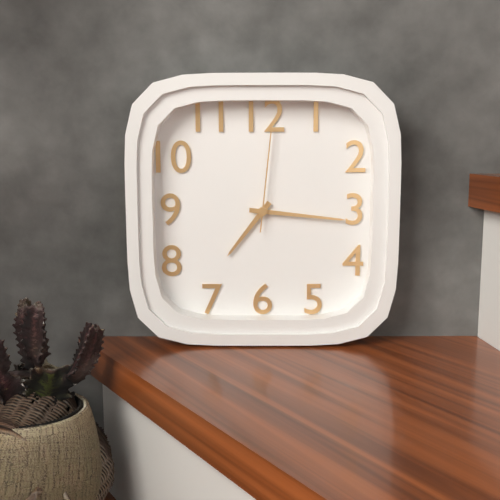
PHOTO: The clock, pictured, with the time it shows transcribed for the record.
7:16:01
